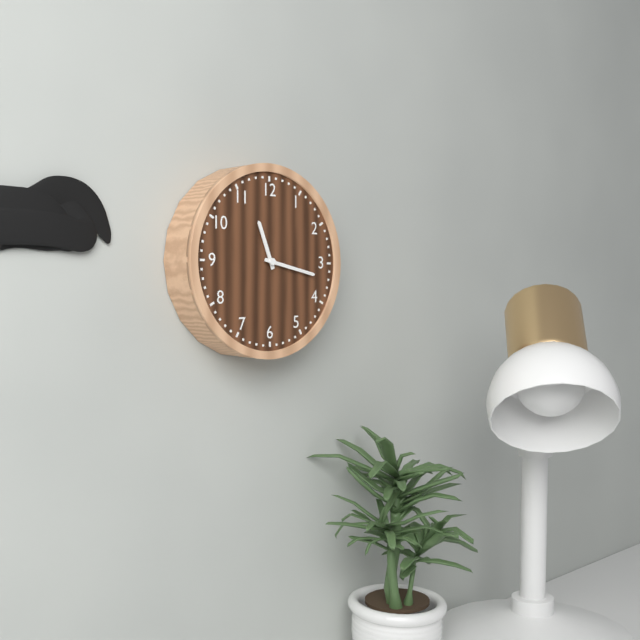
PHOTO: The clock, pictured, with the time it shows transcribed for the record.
11:17
